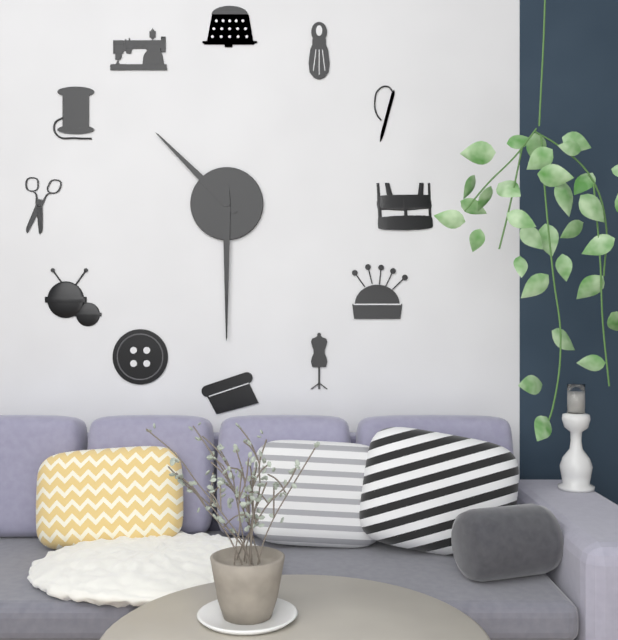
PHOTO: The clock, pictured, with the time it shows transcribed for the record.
10:30
